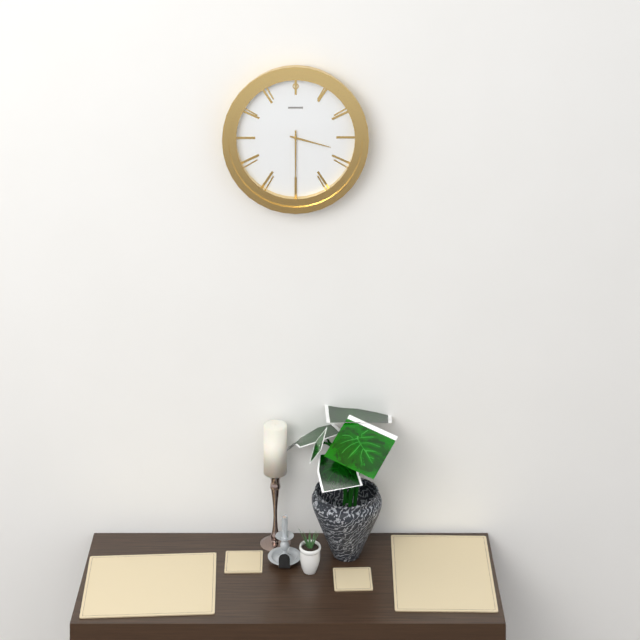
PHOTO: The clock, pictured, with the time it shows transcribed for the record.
3:30
